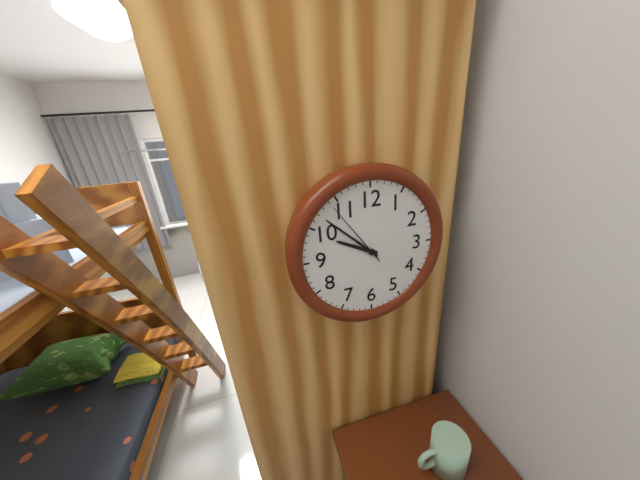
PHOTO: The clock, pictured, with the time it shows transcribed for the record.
9:52:54
